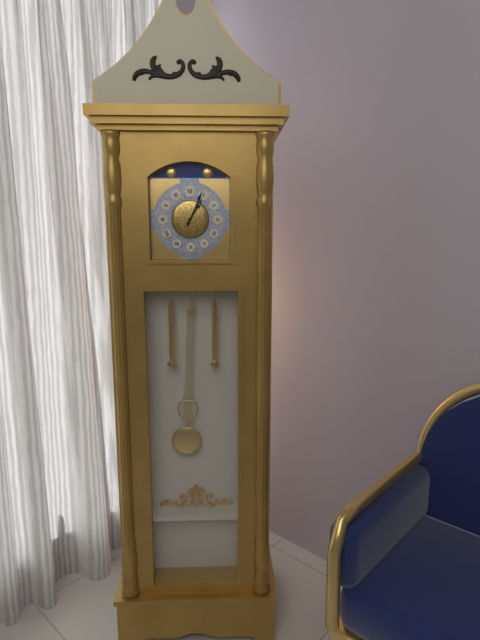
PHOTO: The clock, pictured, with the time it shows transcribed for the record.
1:04
